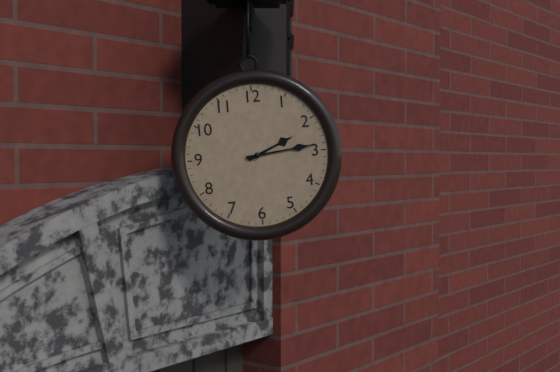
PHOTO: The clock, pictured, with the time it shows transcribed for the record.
2:14
